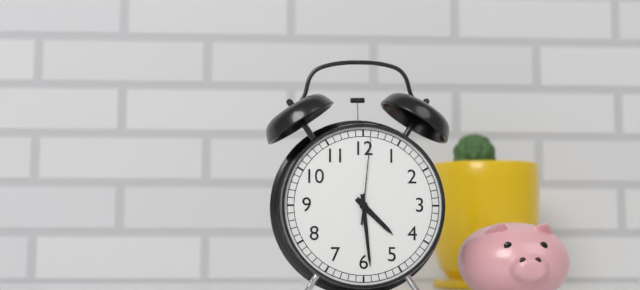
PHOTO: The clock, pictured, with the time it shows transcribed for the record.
4:29:01
